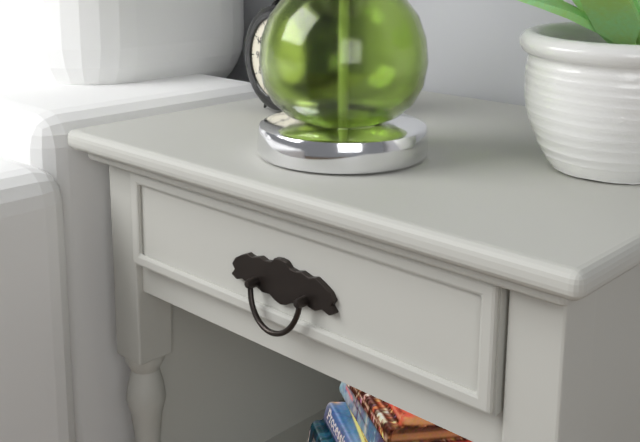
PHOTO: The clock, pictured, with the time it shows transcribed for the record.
3:50
